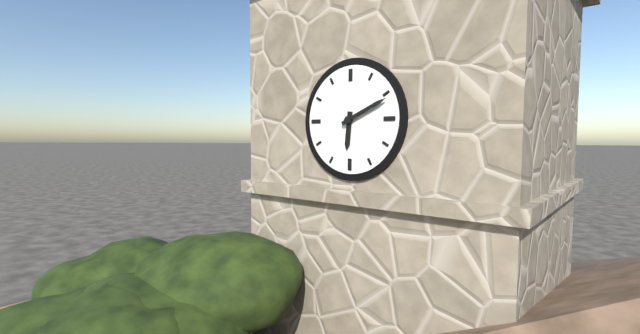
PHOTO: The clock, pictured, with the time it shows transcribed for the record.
6:11
